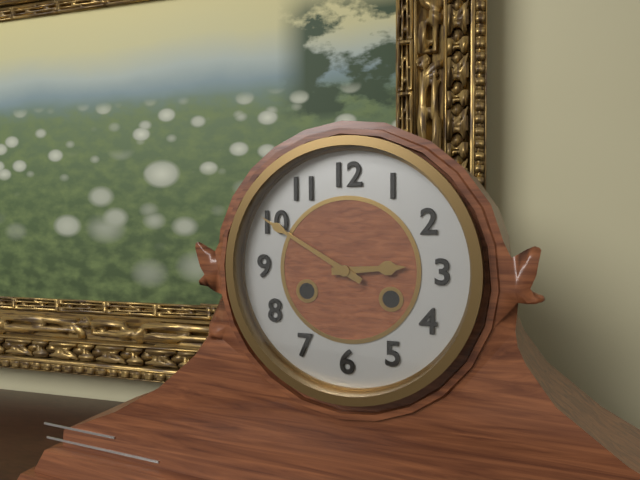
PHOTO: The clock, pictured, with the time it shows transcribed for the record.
2:50
